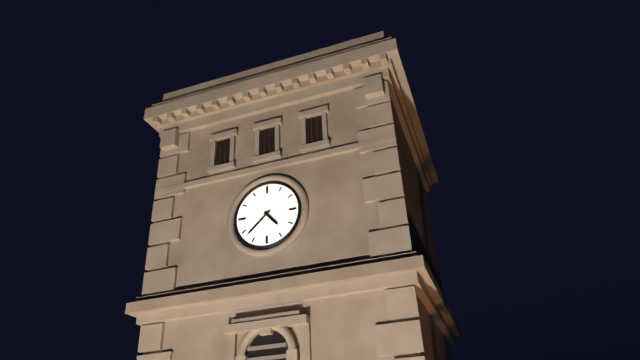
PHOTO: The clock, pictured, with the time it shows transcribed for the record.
4:38
